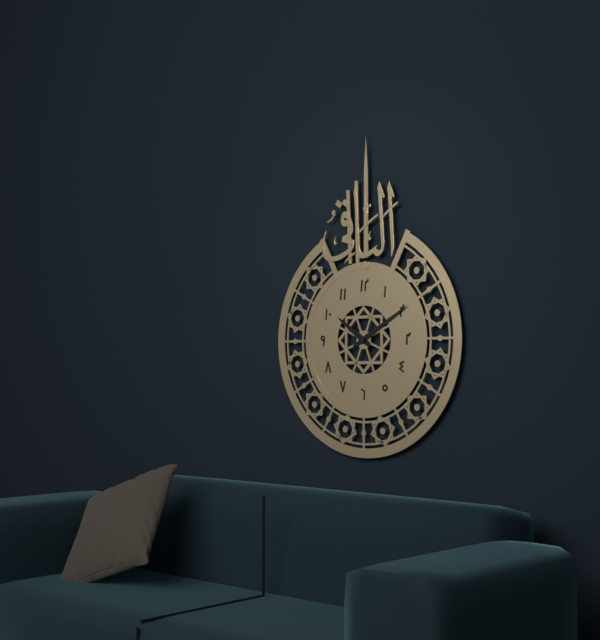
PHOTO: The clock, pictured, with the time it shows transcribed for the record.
10:10
